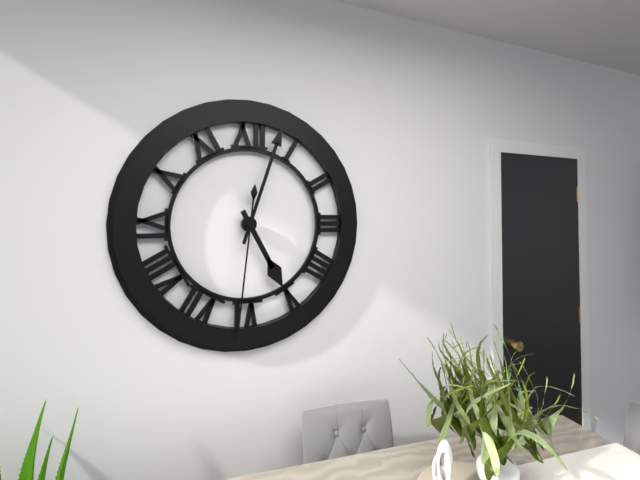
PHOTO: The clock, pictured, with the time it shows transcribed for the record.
5:03:31
